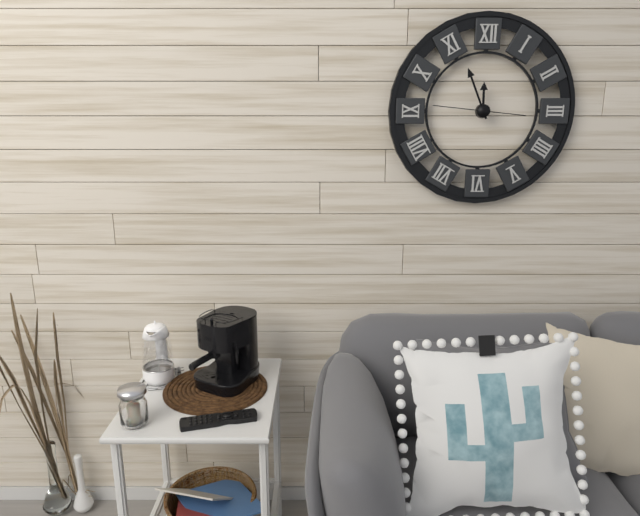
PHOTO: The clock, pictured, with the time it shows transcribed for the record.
11:56:46
